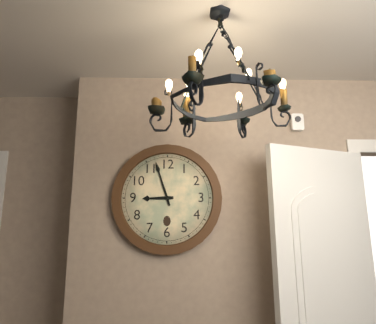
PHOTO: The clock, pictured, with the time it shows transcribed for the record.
8:57
